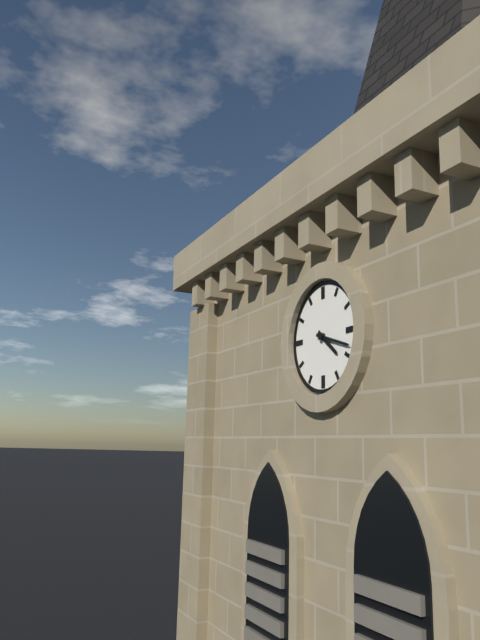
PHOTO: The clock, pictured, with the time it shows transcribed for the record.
4:18
